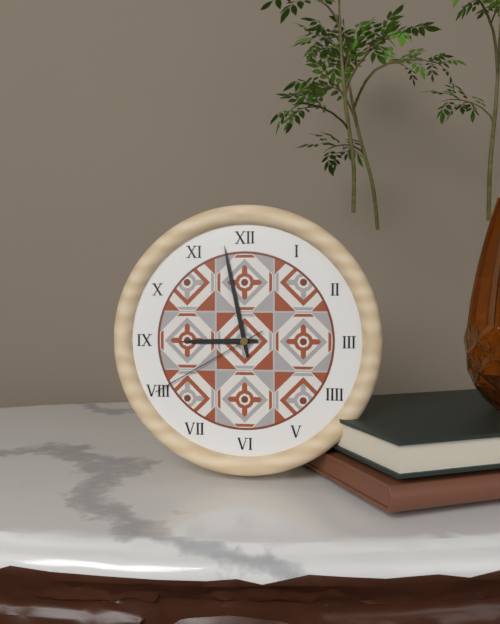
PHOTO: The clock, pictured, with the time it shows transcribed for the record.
8:58:40
